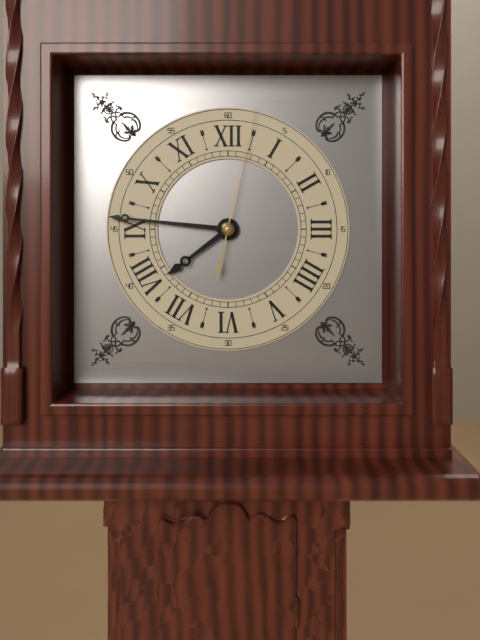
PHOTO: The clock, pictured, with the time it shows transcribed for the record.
7:46:02
